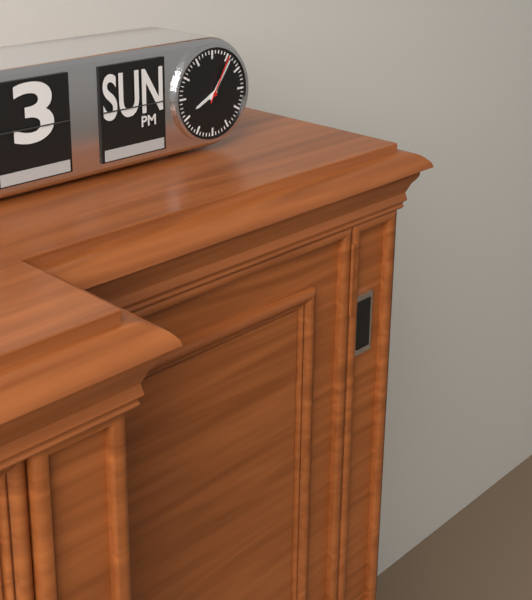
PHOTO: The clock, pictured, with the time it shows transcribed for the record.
8:06:05
